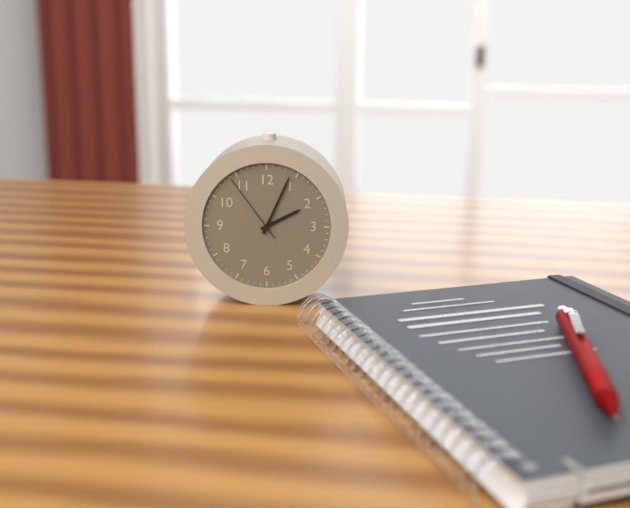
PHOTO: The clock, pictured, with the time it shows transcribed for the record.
2:04:54
